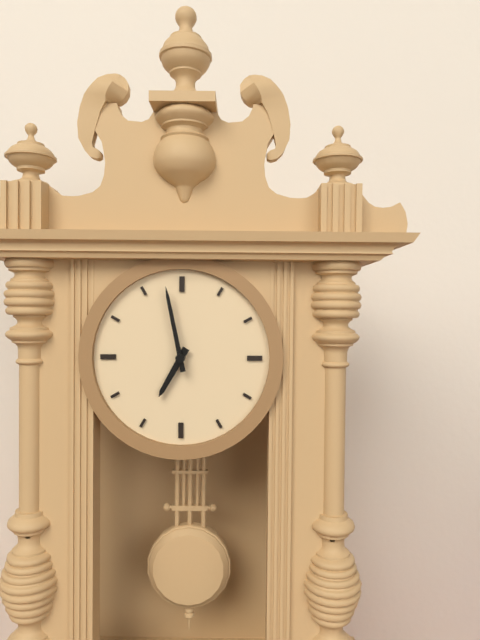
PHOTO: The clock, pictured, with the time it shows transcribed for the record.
6:58
